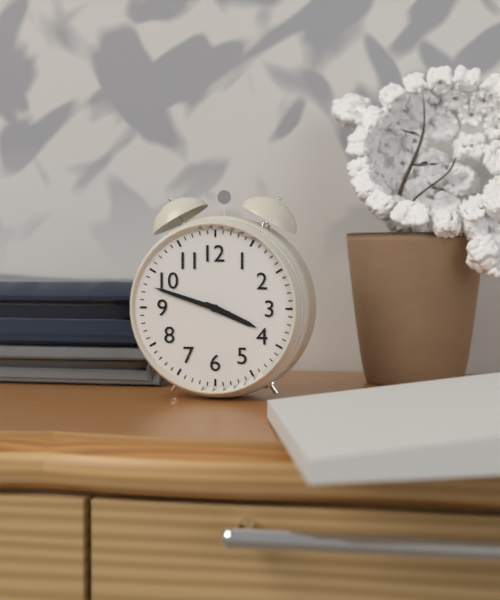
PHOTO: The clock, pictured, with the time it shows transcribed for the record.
3:48
